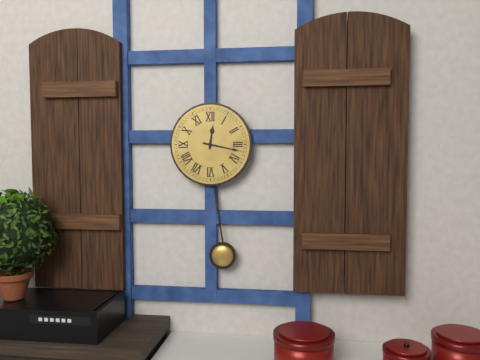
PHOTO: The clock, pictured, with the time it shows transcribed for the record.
12:17
